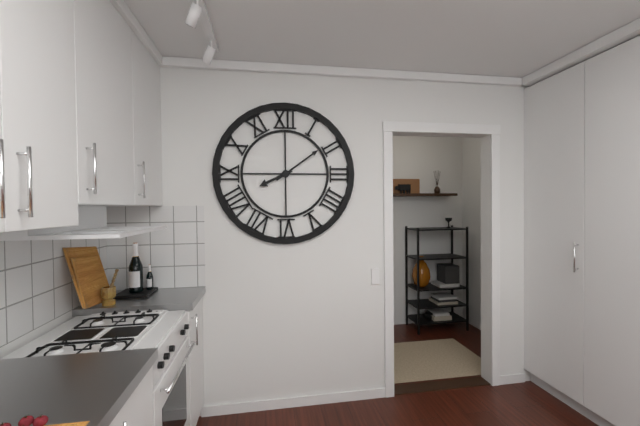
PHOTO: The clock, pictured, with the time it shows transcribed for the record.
8:09
